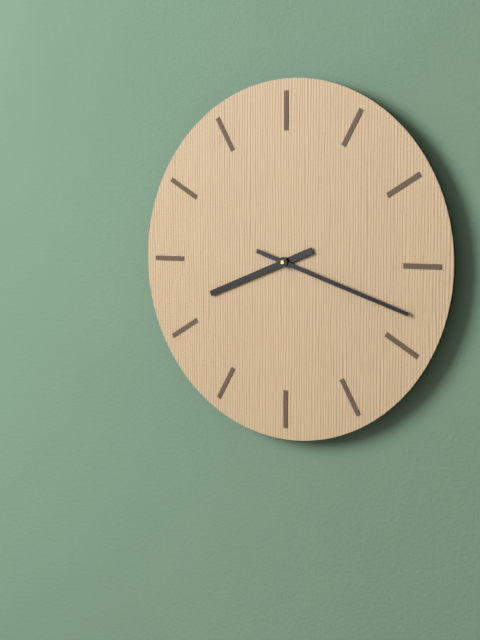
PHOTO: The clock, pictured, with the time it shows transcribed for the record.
8:18
